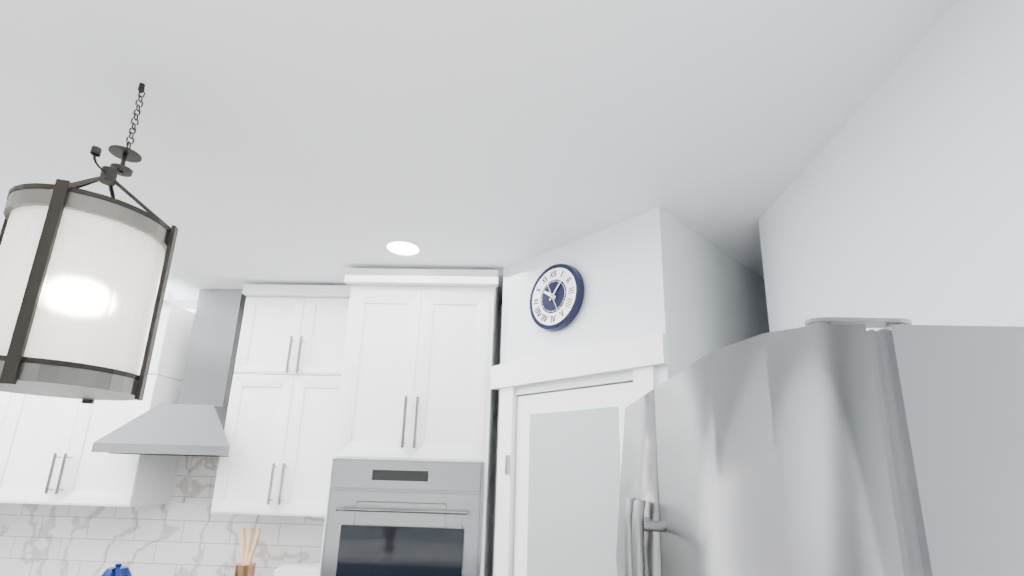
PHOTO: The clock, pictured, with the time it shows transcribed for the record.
10:07
